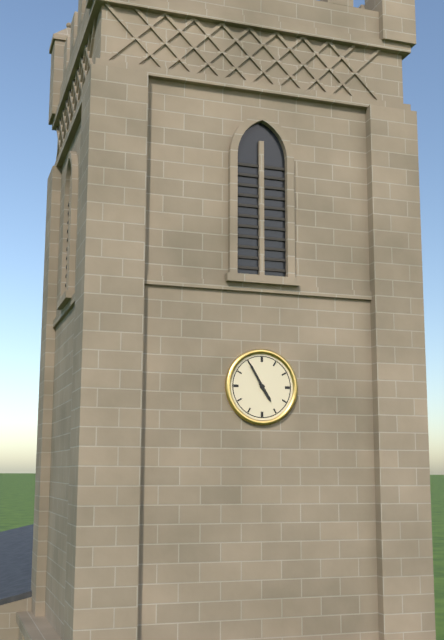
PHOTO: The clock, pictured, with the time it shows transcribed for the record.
4:55
